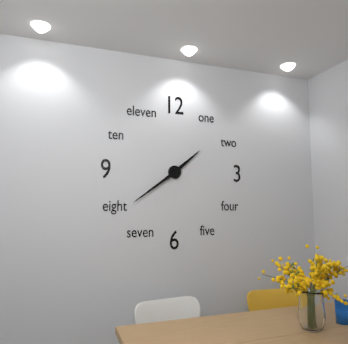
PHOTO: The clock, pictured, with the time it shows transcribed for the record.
1:39
